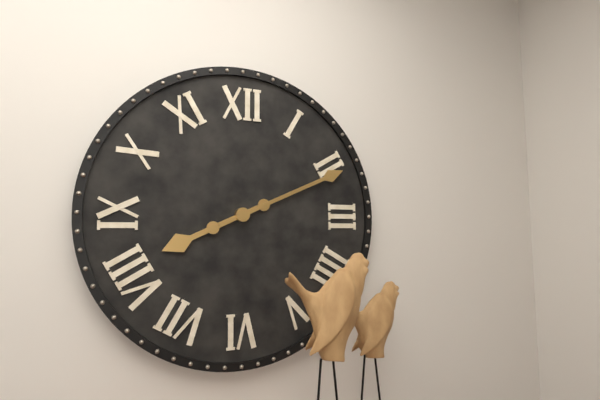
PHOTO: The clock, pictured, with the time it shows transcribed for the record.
8:11
